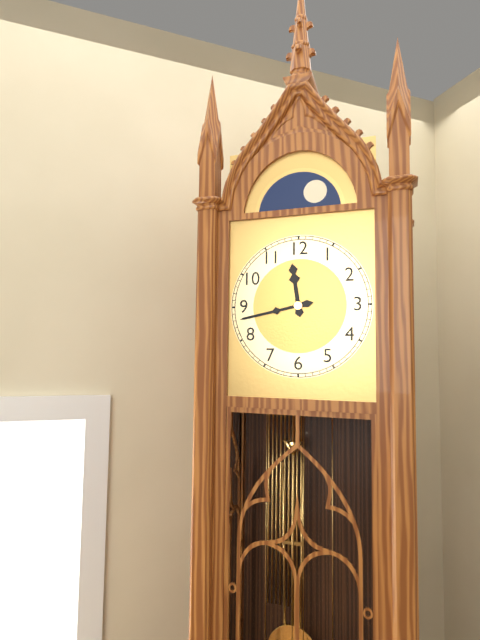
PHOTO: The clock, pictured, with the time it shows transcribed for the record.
11:43
